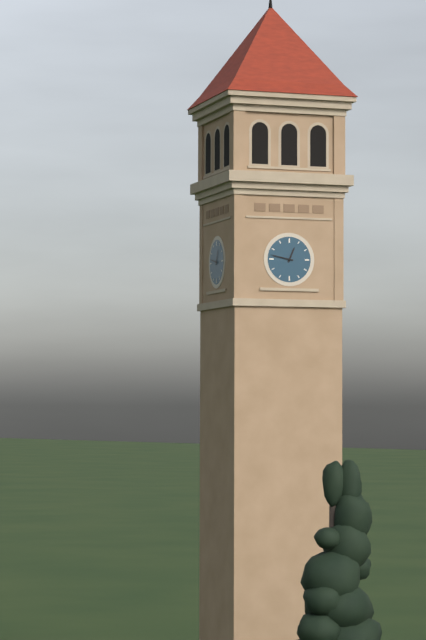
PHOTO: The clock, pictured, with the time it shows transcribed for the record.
12:47
